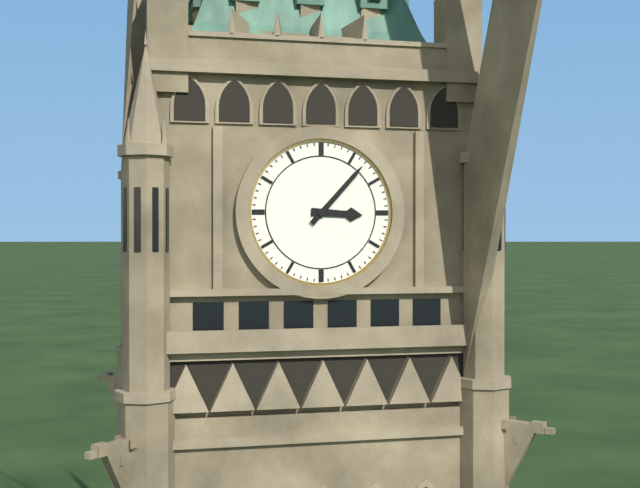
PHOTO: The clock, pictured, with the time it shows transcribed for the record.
3:07
